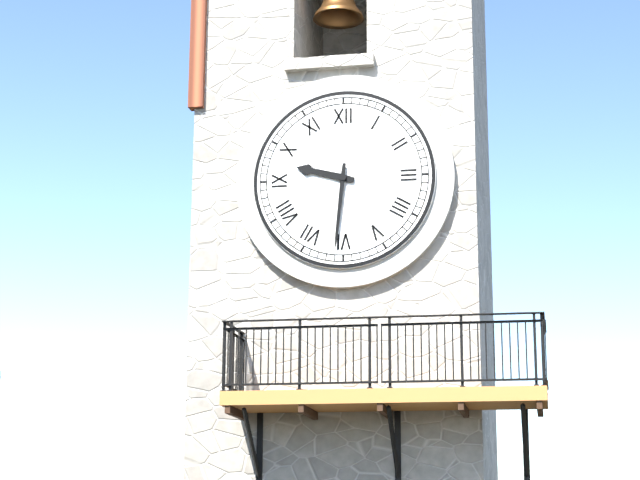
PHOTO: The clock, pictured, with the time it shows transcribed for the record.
9:31
